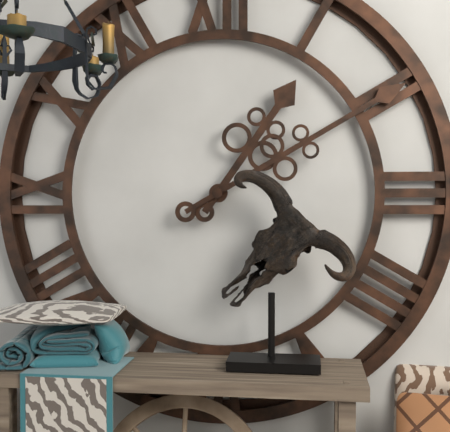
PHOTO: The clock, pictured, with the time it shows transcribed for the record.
1:10
